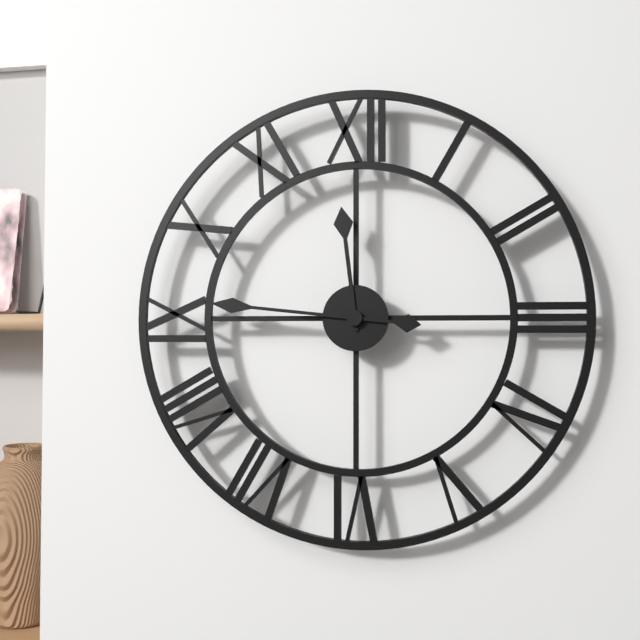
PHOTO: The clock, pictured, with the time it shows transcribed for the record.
11:46
